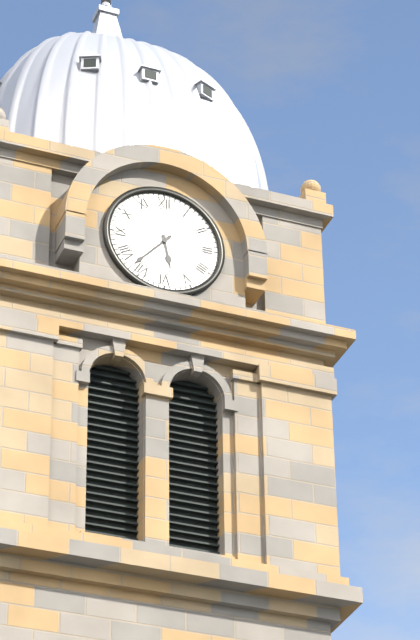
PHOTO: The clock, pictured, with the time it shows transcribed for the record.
5:37
